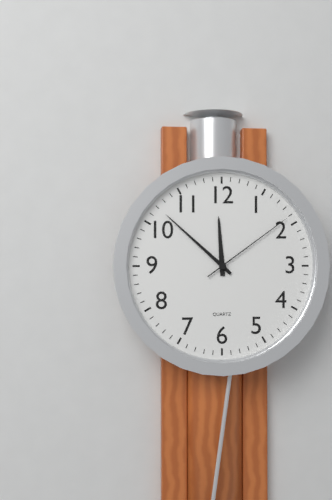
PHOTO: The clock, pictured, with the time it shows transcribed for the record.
11:52:09
